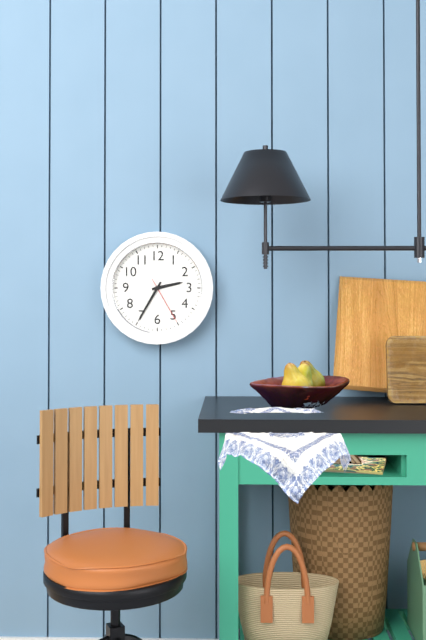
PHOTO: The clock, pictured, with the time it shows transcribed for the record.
2:35:25
